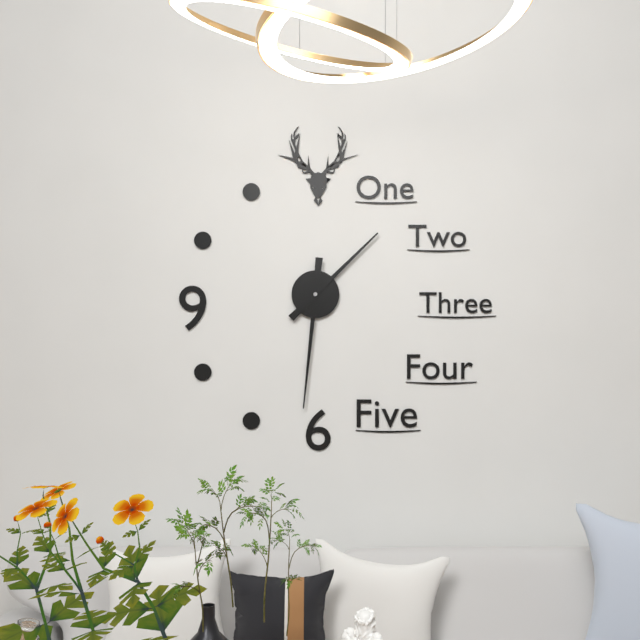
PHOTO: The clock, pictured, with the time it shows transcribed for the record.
1:31
